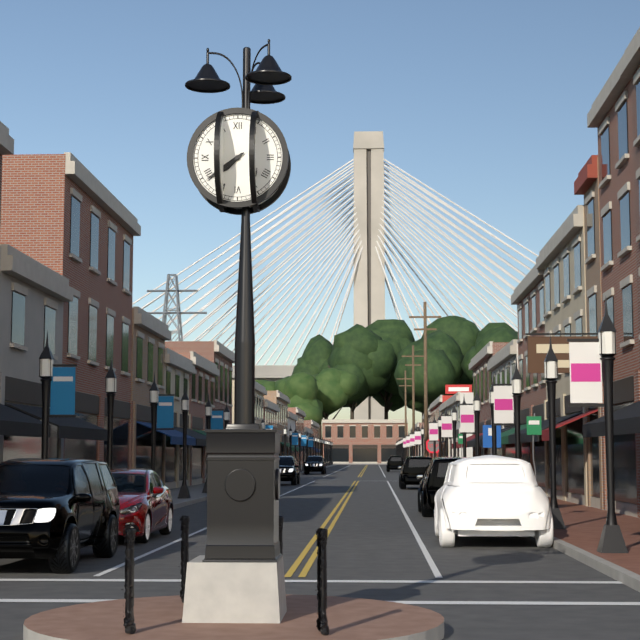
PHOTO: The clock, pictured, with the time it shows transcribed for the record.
7:39
